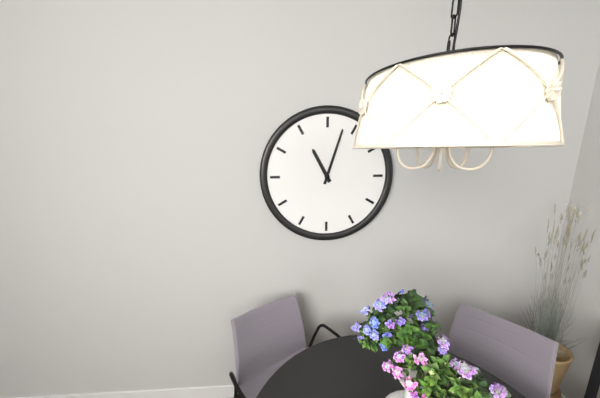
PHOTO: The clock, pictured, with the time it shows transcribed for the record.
11:03
